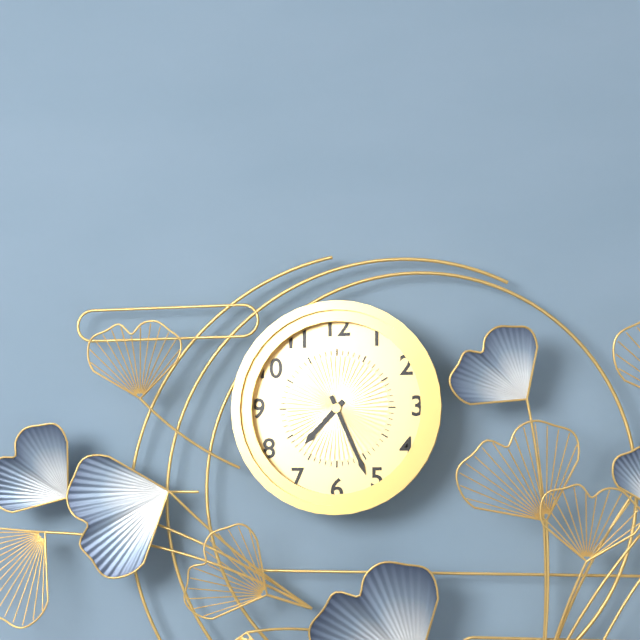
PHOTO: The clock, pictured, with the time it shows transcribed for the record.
7:26
